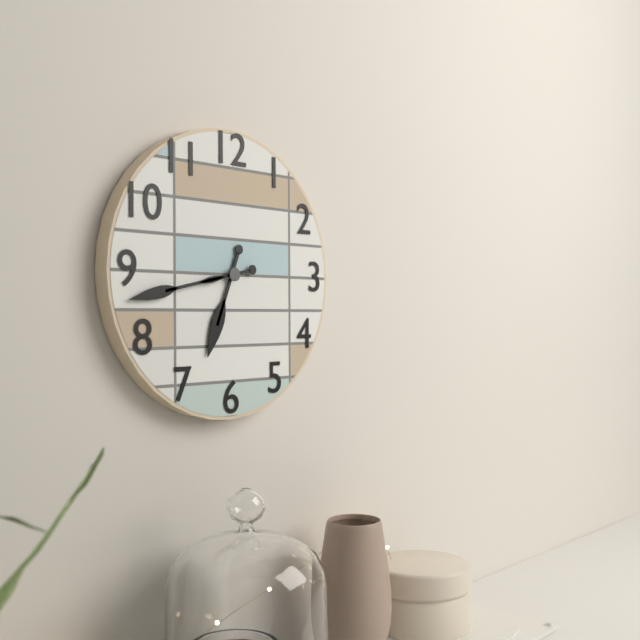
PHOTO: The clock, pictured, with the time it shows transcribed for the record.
6:43
